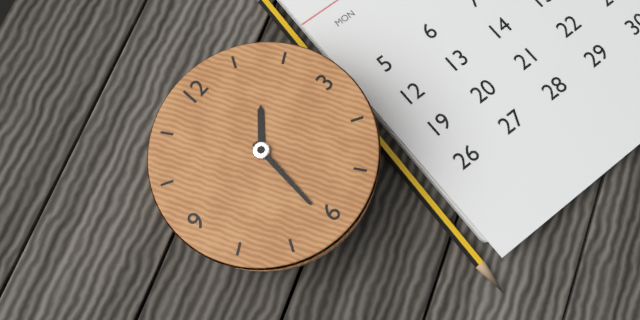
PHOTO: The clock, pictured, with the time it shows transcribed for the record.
1:31
